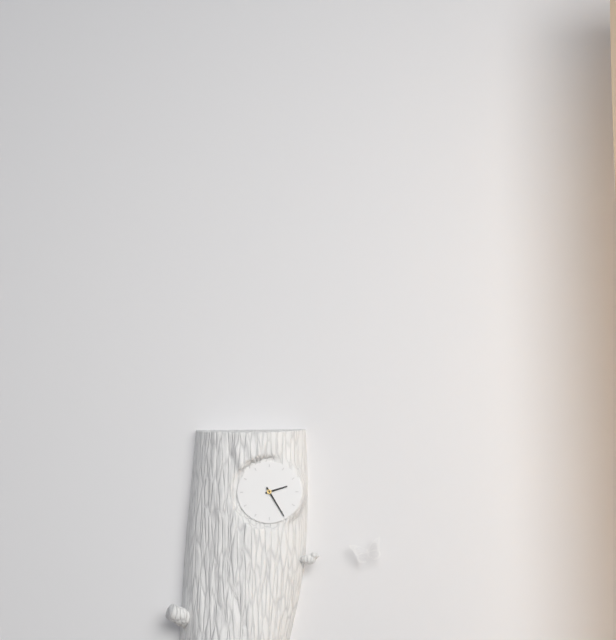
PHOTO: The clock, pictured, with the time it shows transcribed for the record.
2:25
